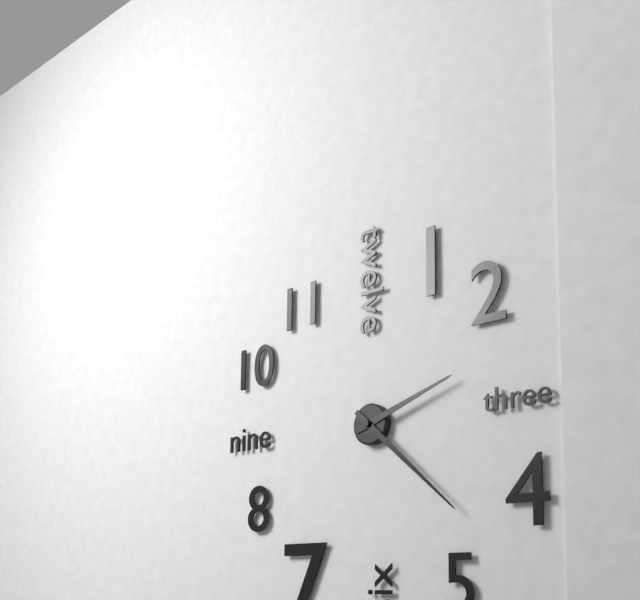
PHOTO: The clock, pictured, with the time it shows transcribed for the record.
2:22
